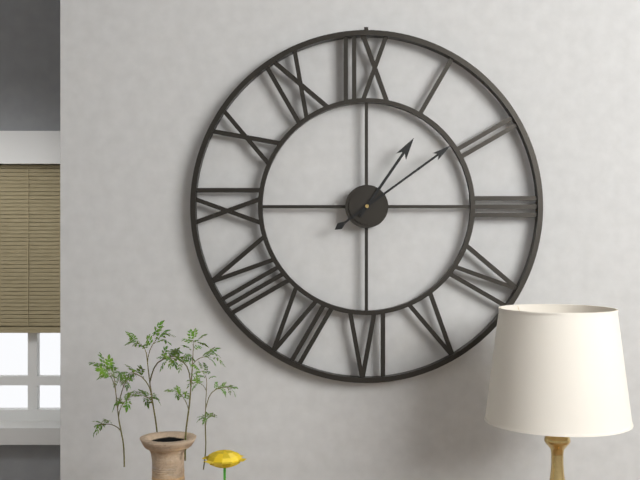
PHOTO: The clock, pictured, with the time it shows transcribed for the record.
1:09
